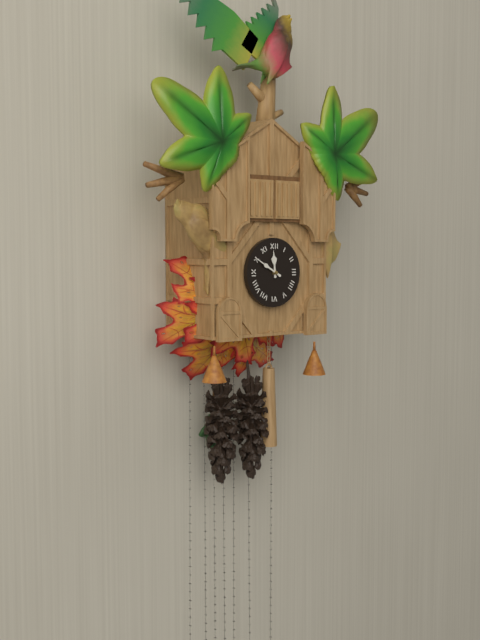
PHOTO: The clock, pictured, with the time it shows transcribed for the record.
11:50
